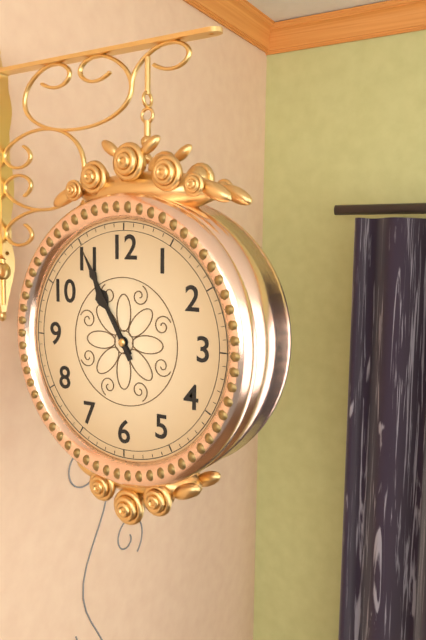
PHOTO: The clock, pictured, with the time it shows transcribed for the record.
10:55
